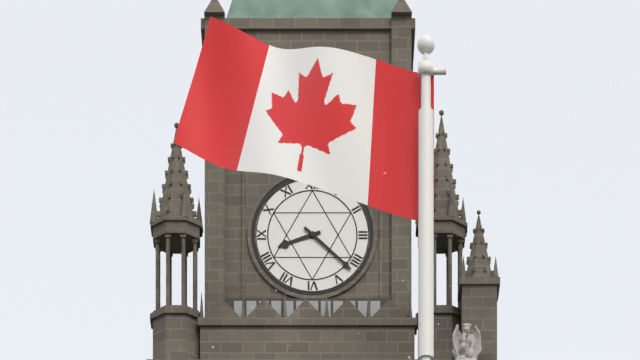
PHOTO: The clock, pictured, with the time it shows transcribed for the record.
8:22
